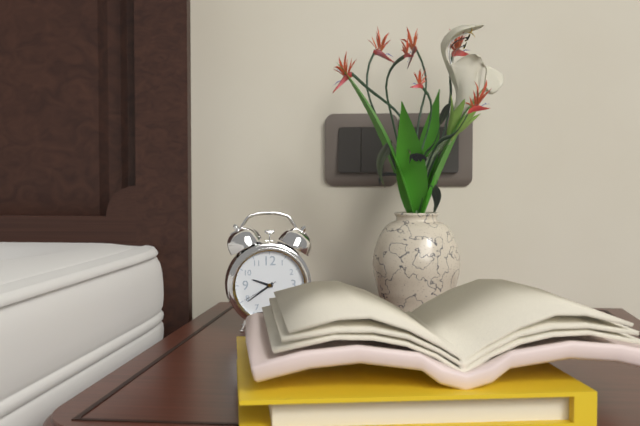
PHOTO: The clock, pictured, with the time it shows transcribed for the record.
9:39
